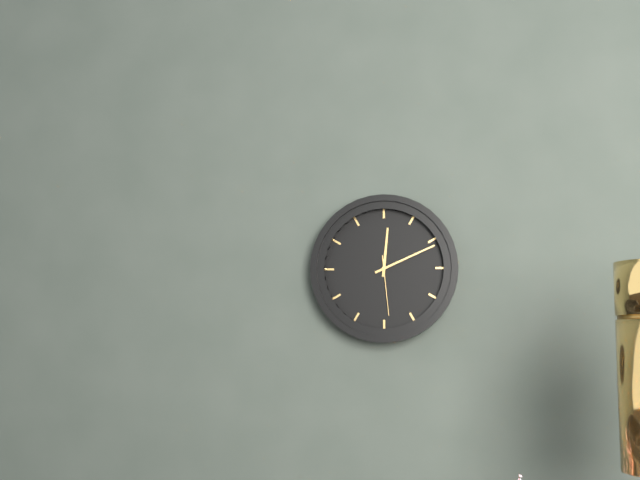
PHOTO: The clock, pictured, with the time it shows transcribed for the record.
12:11:29
